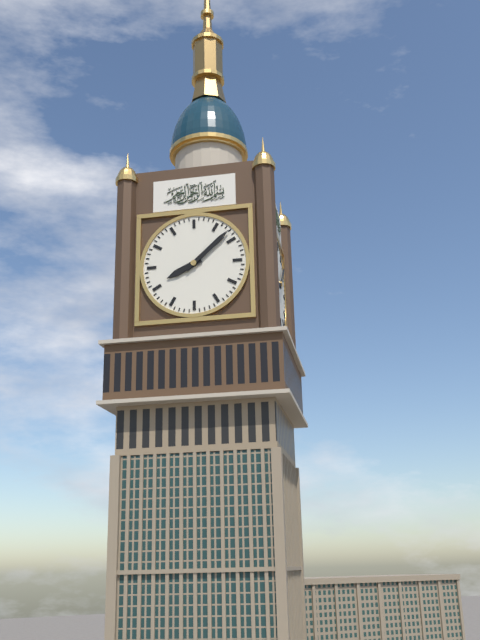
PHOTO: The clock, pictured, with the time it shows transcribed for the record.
8:08
